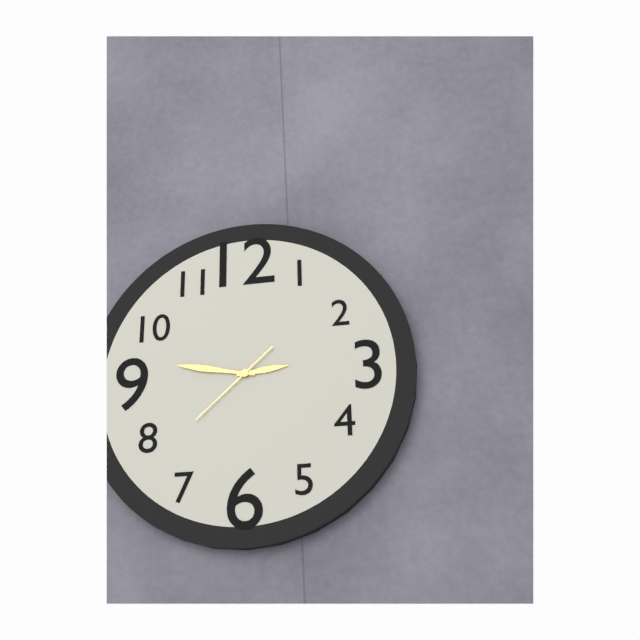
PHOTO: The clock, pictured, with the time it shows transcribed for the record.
2:47:38
